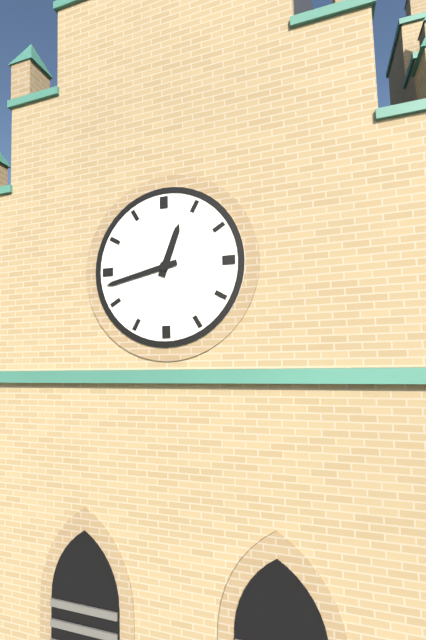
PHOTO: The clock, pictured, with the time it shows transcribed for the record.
12:43
